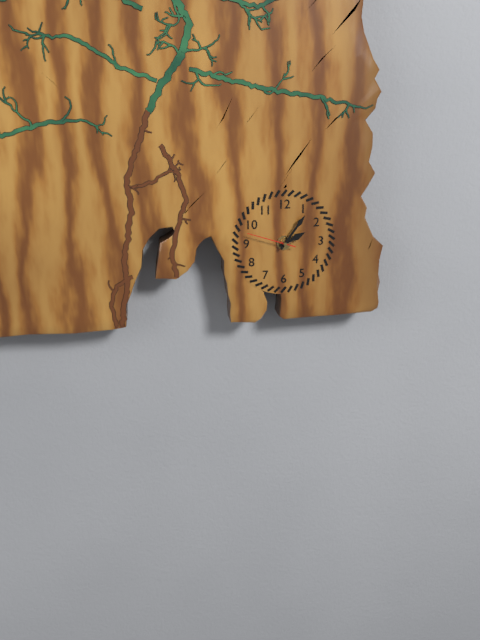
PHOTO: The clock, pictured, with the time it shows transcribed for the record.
2:06
